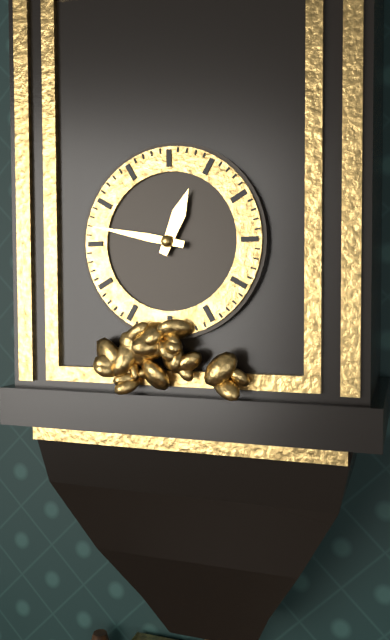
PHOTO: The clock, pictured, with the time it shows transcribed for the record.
12:47
